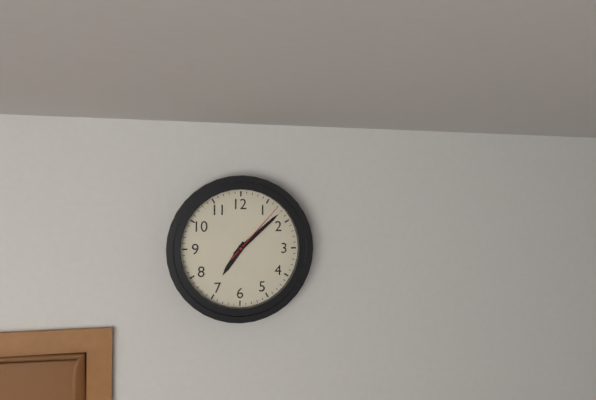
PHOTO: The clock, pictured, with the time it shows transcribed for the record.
7:08:07
